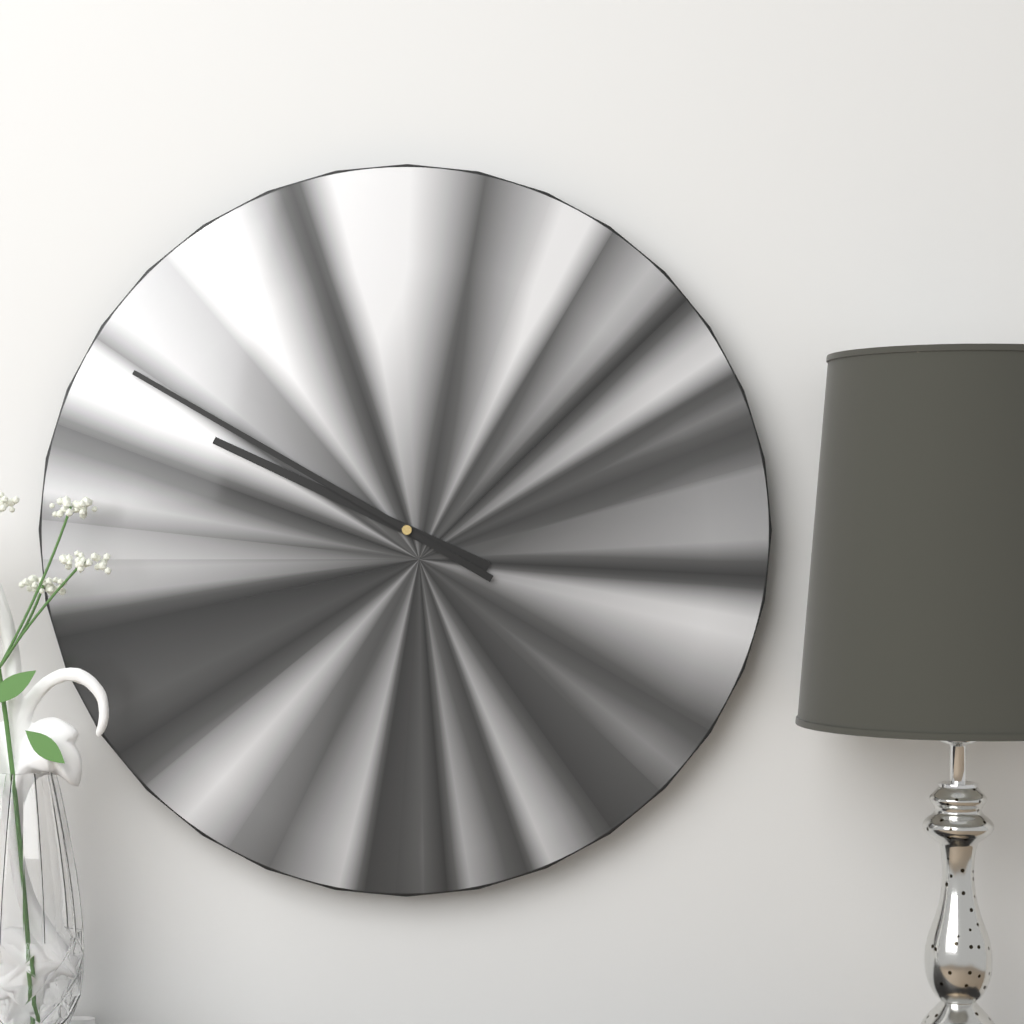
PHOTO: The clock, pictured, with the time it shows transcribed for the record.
9:50
